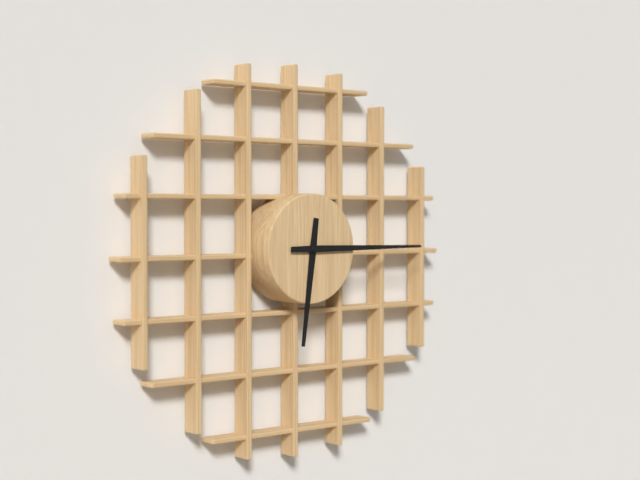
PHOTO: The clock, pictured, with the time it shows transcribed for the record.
6:15
